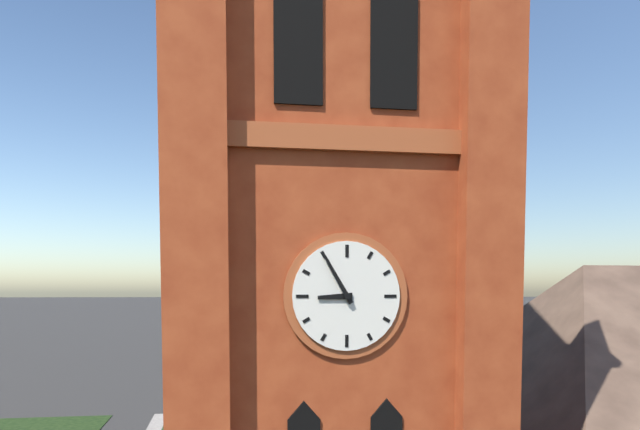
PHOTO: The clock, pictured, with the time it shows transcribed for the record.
8:55
